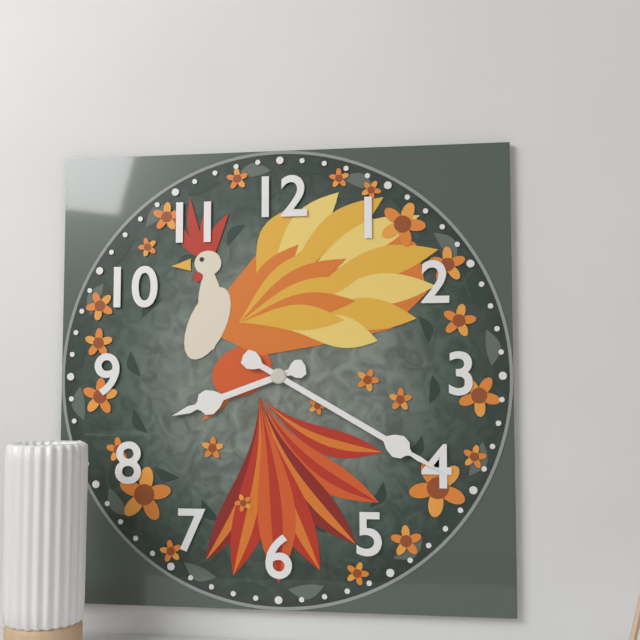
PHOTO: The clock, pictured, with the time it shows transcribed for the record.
8:20
